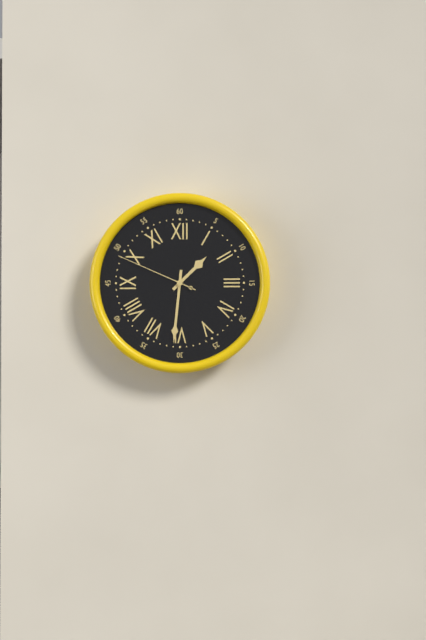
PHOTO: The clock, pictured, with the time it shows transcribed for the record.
1:31:49
